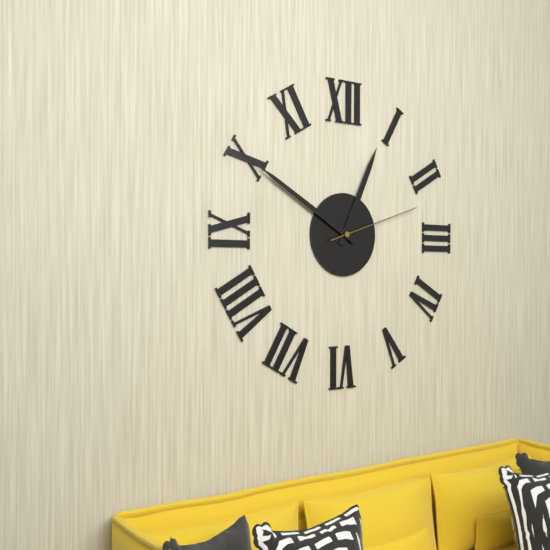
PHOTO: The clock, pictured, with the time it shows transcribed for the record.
12:50:12
